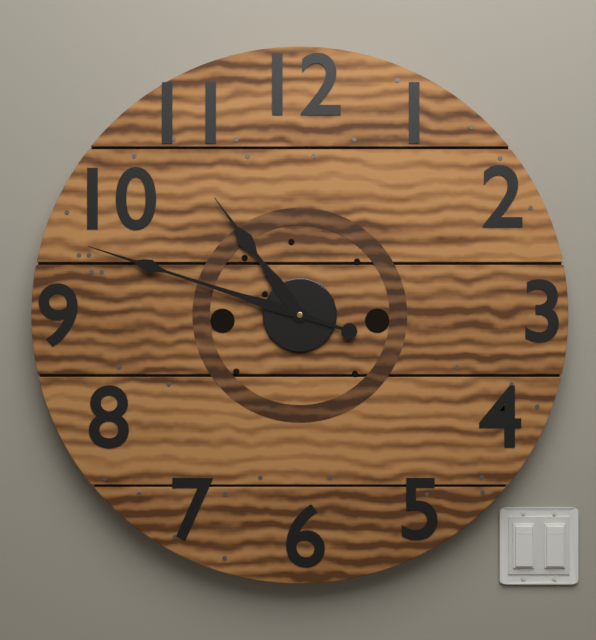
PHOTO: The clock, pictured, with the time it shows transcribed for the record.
10:48
